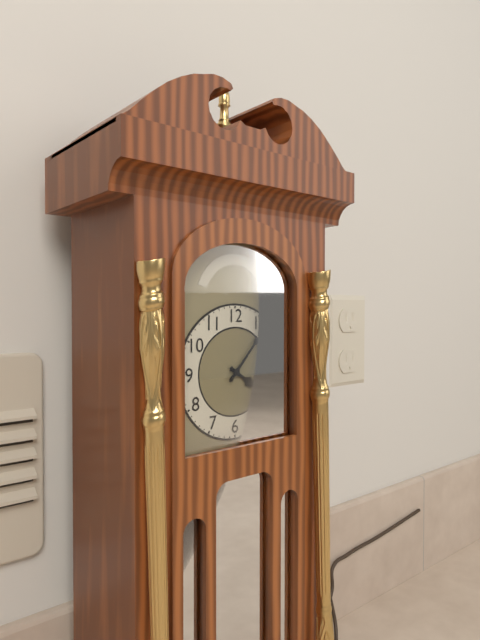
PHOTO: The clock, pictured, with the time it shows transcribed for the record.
4:07
